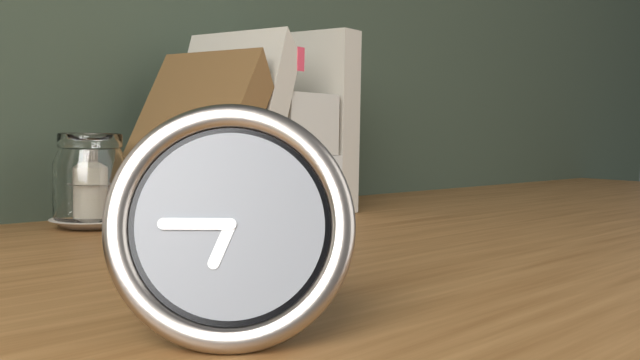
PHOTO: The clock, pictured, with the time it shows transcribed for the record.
6:45
